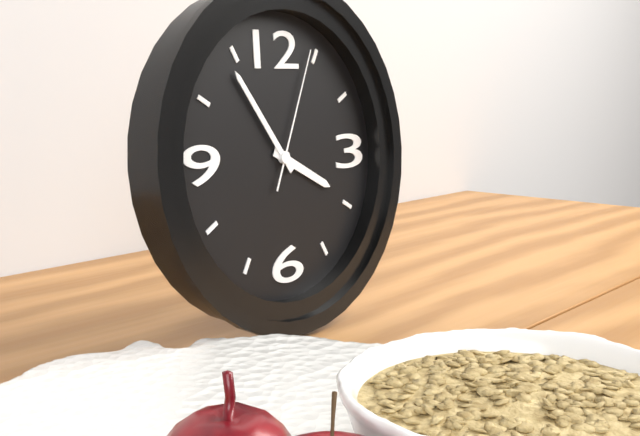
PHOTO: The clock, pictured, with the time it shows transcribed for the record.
3:54:04
